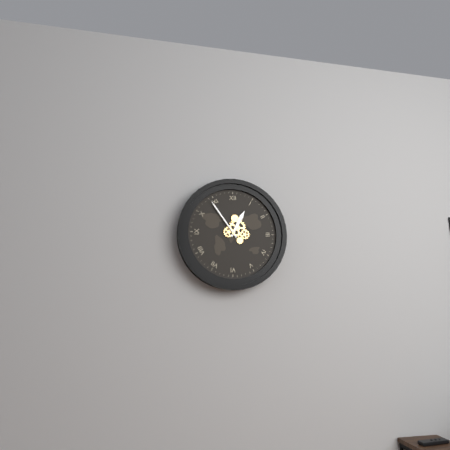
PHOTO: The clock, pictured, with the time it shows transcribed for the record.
12:54
